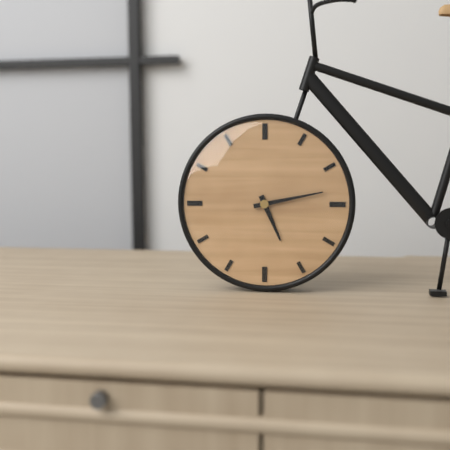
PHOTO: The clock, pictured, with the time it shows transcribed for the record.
5:13
